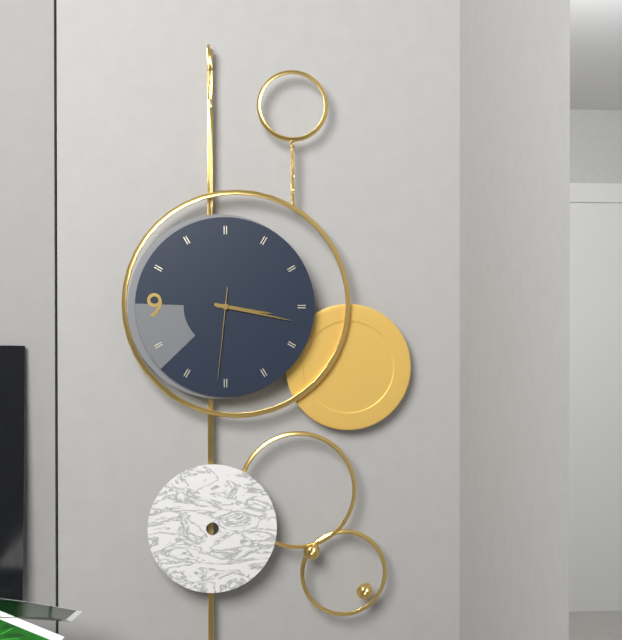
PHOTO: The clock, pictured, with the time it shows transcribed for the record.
3:17:31
